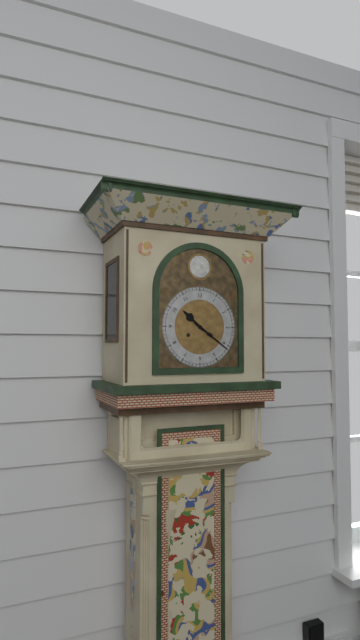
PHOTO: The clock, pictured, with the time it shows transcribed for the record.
10:21
